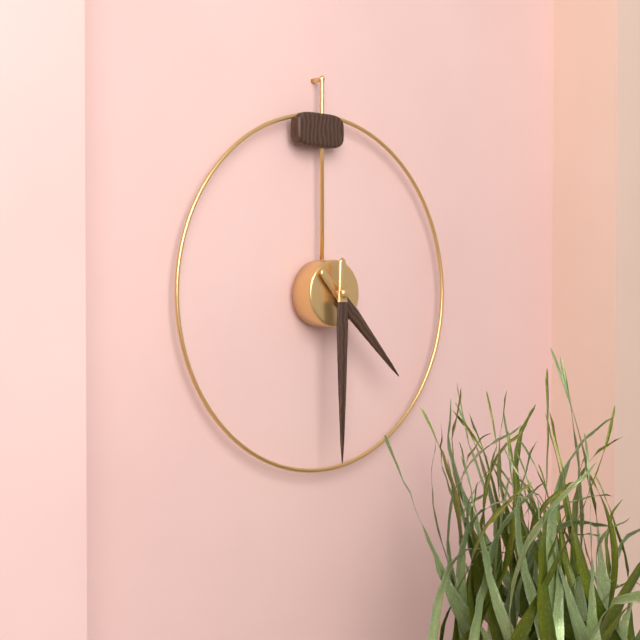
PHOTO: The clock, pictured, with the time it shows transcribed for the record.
4:30
